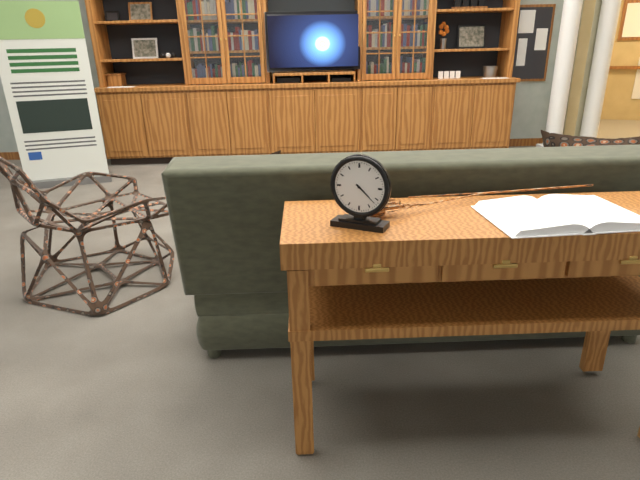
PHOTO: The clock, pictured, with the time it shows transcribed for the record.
4:22
